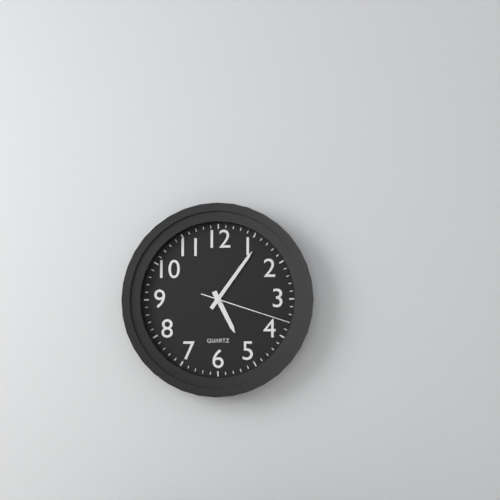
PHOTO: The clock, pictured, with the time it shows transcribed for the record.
5:06:18
